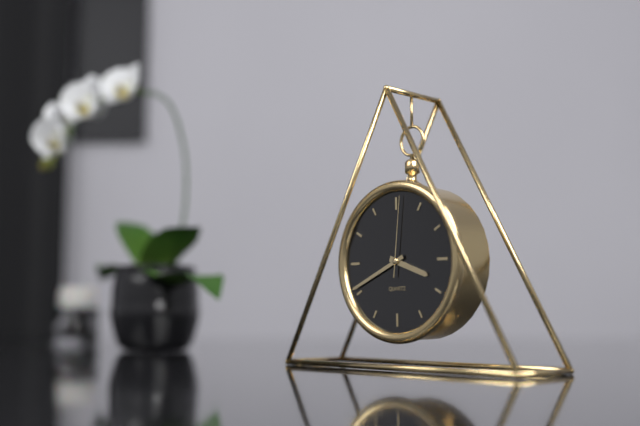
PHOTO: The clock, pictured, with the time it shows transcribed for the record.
3:41:01
